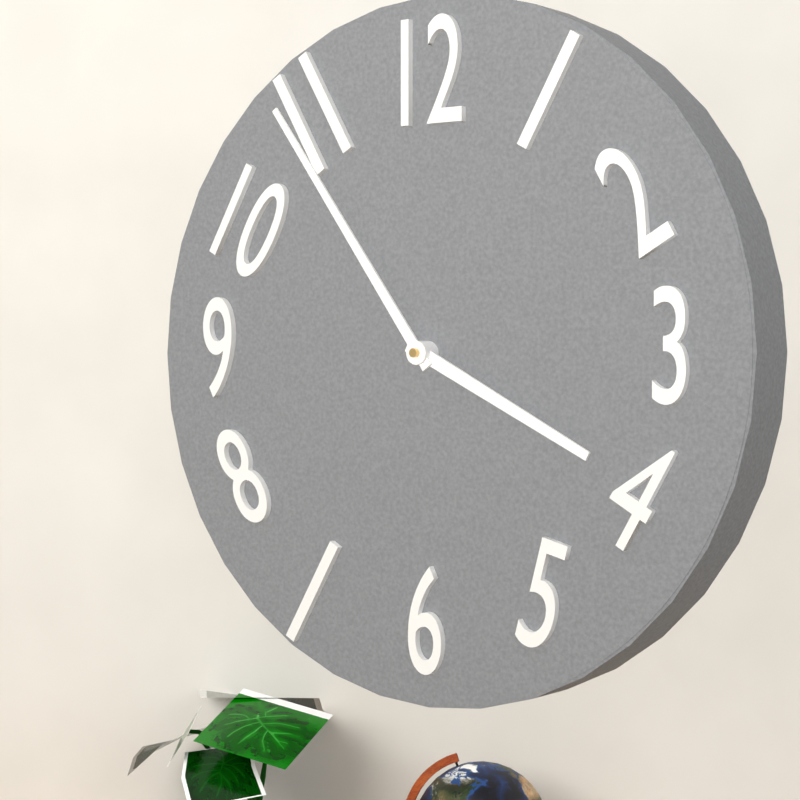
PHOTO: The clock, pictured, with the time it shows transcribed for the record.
3:54
